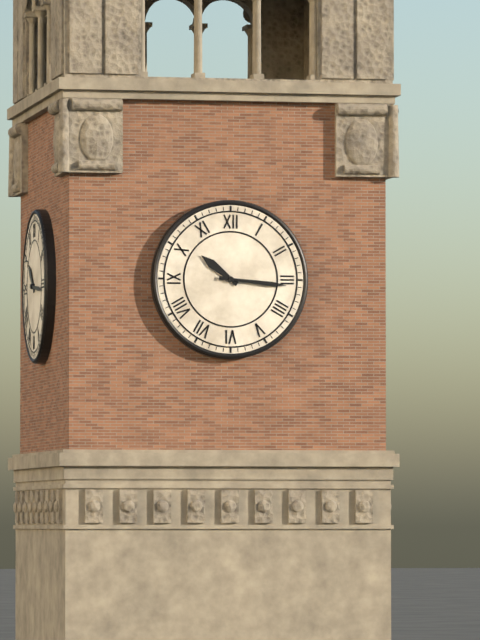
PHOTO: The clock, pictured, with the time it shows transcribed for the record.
10:16
